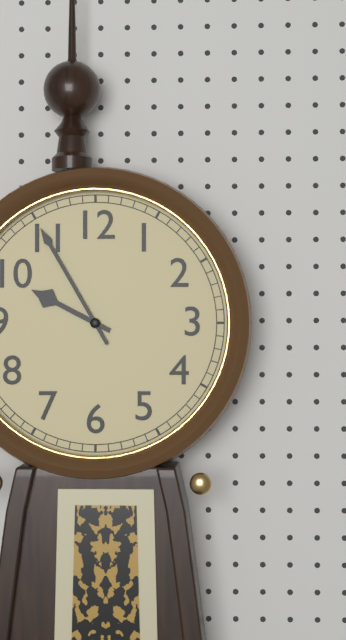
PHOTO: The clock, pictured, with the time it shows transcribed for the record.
9:55
